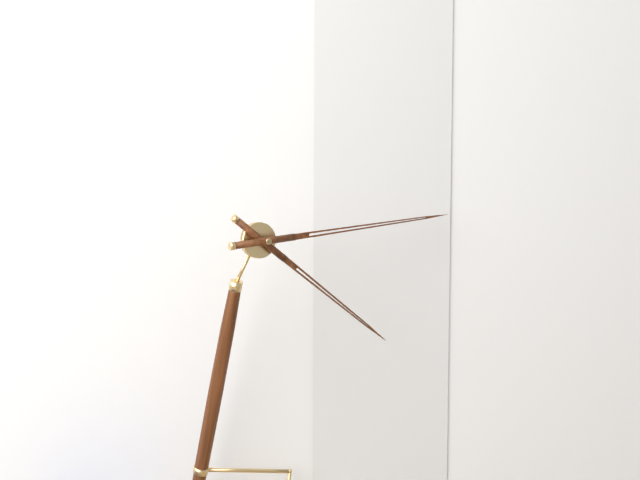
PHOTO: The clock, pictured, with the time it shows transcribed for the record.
4:14
